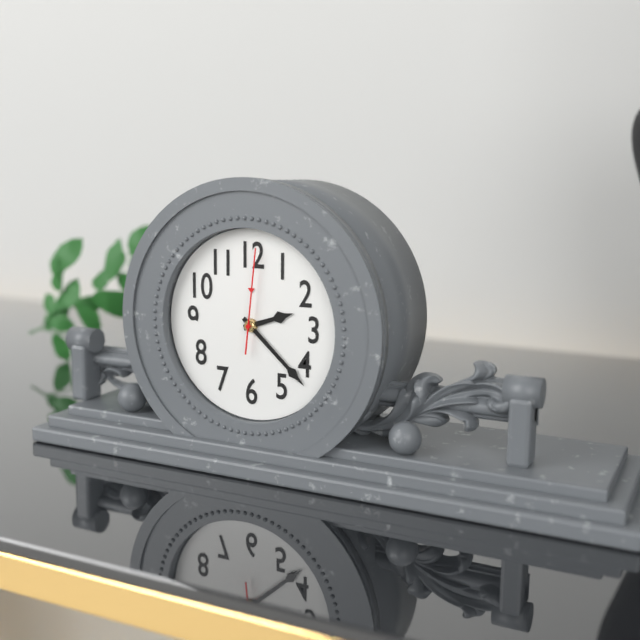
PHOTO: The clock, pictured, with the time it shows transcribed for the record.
2:22:01
